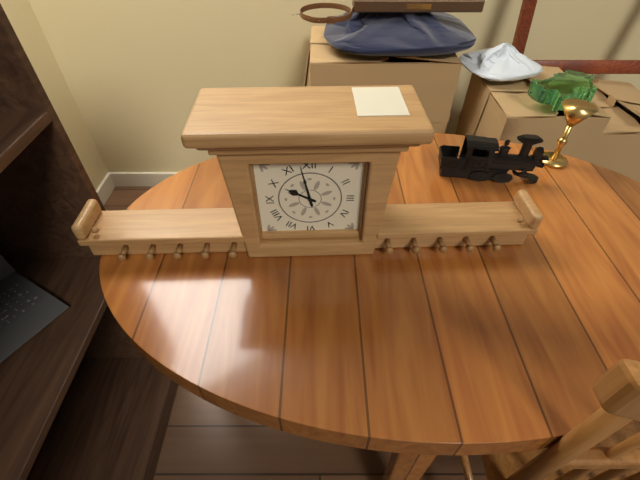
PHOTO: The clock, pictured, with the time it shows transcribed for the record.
9:58
